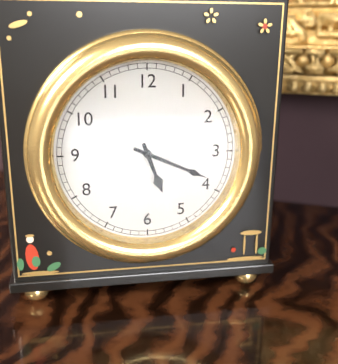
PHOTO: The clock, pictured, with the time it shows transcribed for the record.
5:19
